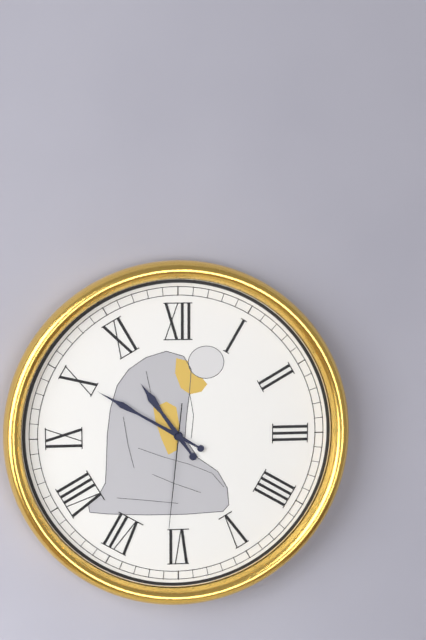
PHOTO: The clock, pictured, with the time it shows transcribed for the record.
10:50:31
